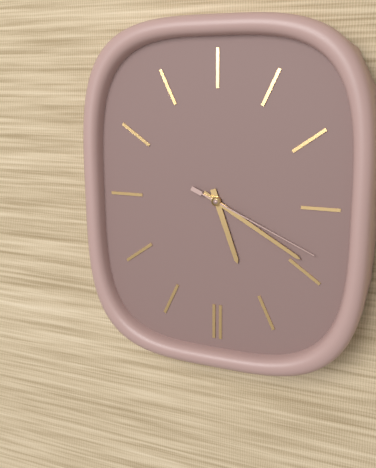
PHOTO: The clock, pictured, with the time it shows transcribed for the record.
5:20:19
